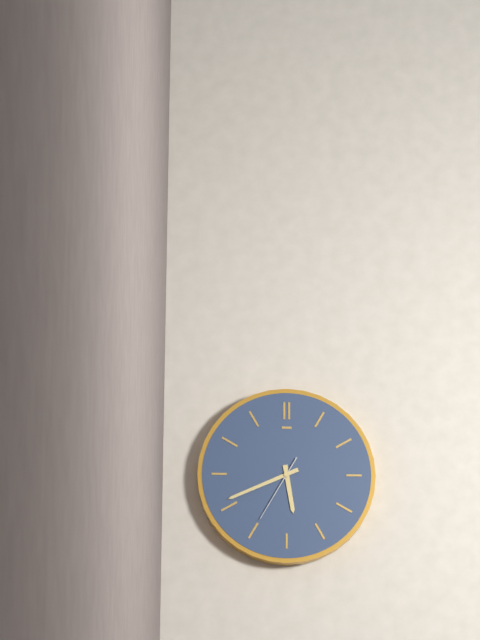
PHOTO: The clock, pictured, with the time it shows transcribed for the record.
5:41:35
